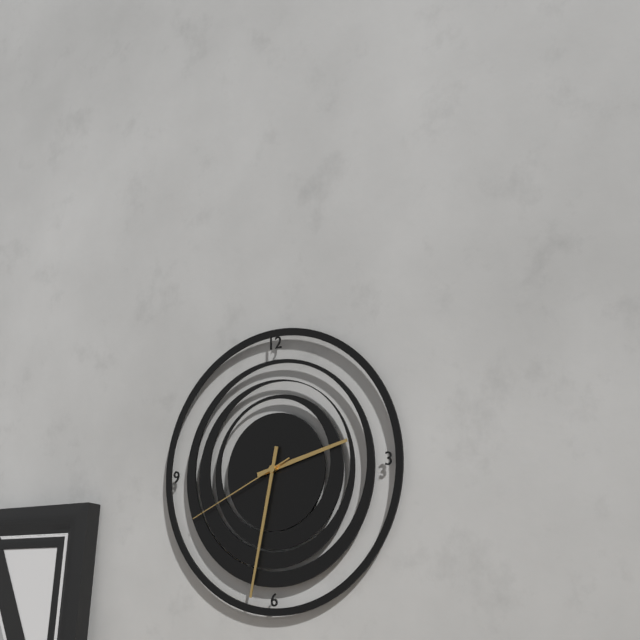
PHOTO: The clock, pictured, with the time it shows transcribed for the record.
2:32:41
